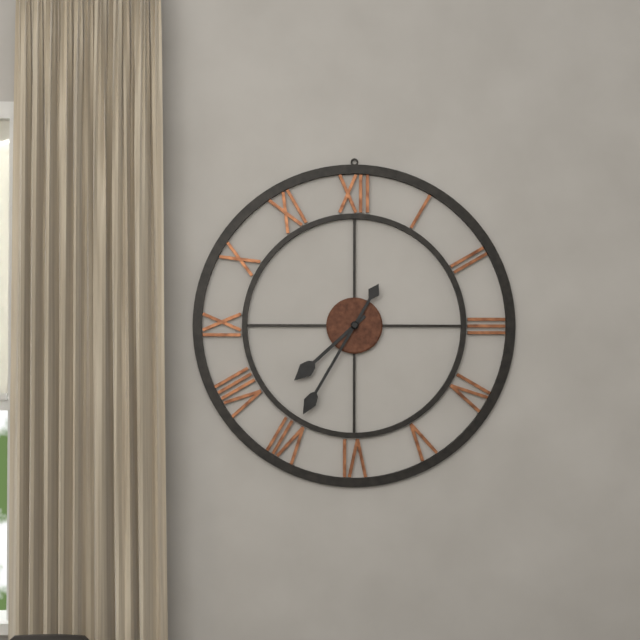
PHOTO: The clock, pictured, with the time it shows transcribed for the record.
7:35
